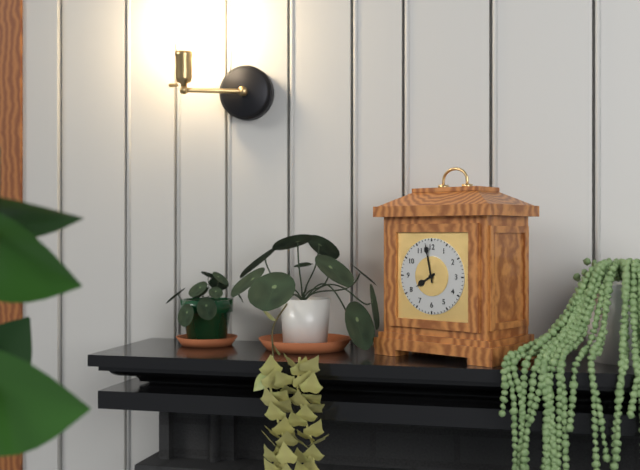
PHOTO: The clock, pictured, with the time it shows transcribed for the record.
7:58
